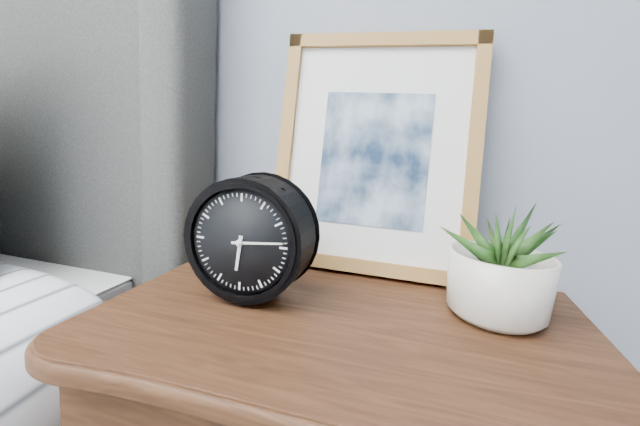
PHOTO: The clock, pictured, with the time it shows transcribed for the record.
6:14
